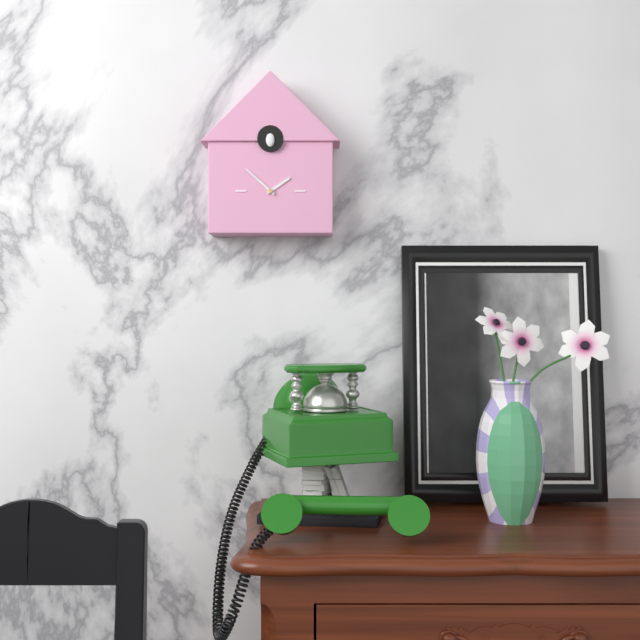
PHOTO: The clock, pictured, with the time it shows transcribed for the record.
1:52
